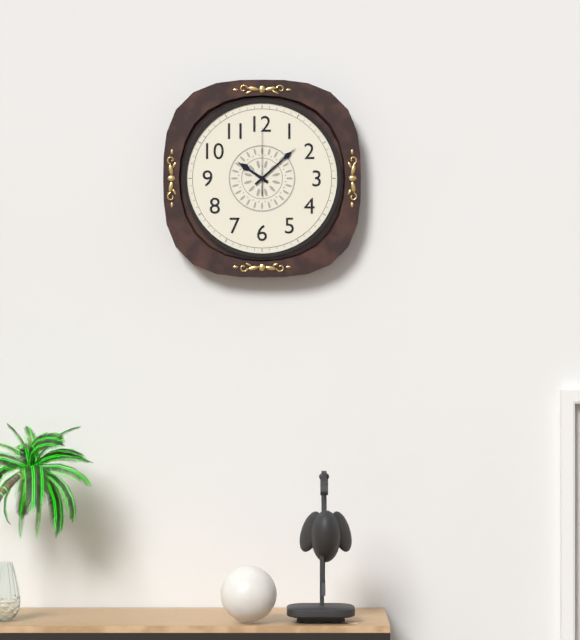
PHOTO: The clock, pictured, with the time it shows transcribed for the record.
10:08:00
